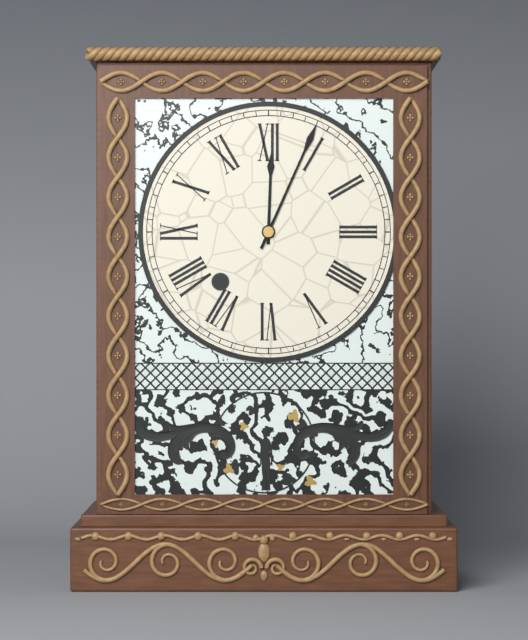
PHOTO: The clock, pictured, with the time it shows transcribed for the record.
12:04
